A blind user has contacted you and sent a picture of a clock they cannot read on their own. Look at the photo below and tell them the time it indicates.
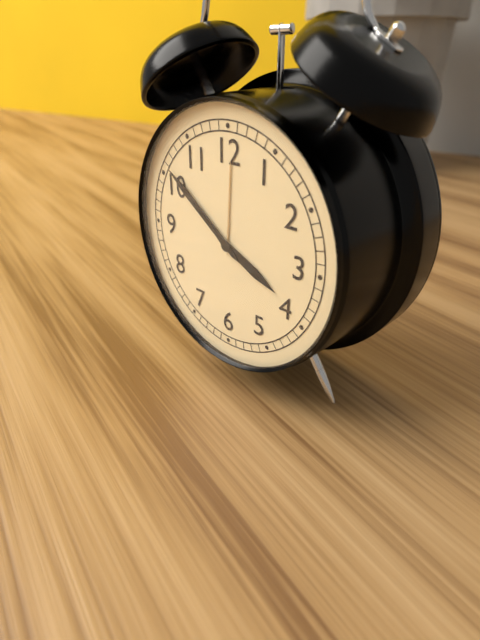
3:51
